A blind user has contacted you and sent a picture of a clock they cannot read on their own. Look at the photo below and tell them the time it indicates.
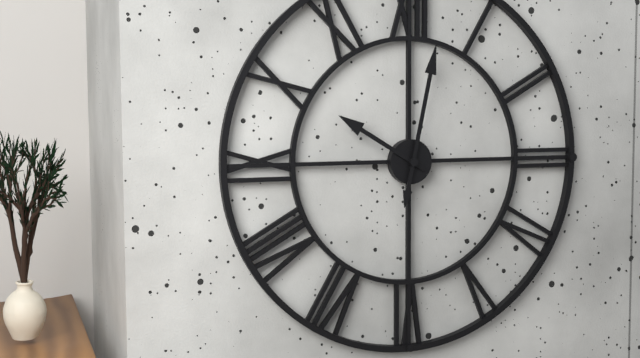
10:02
